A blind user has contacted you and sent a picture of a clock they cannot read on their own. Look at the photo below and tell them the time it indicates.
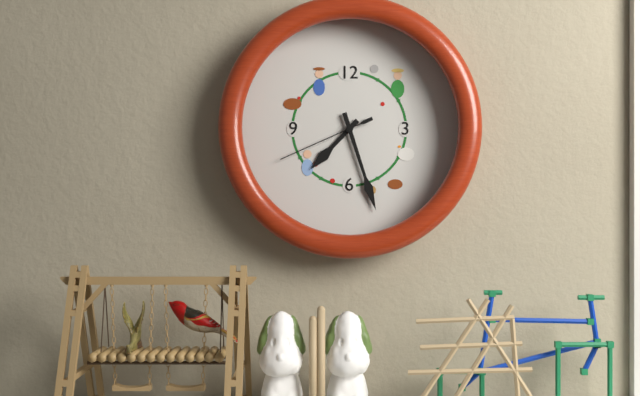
7:27:41
